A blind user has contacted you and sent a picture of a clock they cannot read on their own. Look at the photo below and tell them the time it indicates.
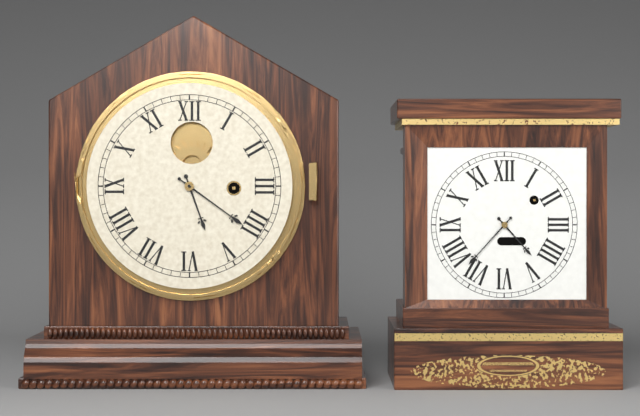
5:21
